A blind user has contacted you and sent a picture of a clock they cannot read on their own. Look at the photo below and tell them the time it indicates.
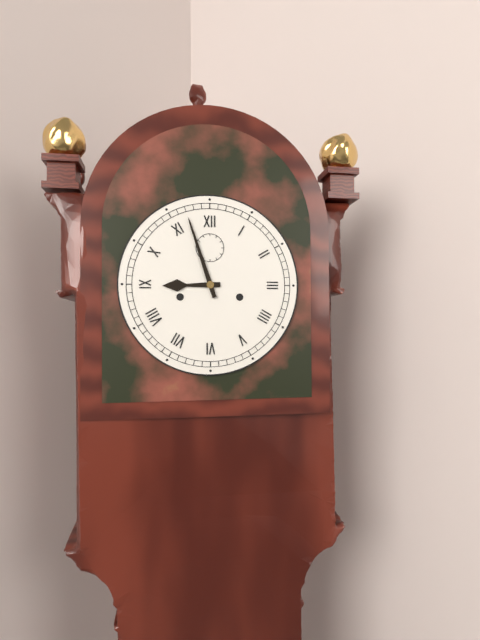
8:57
